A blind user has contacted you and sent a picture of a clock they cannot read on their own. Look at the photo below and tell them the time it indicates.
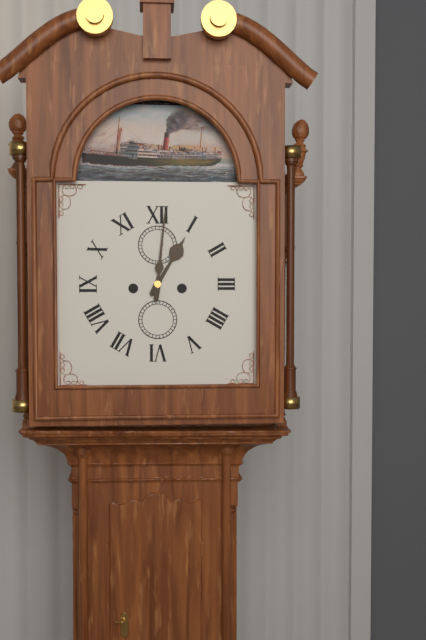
1:01
